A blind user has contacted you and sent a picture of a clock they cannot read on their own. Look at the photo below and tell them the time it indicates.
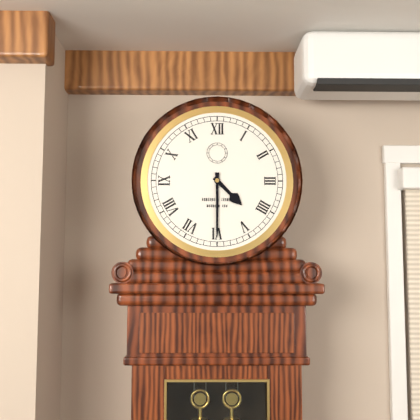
4:30
